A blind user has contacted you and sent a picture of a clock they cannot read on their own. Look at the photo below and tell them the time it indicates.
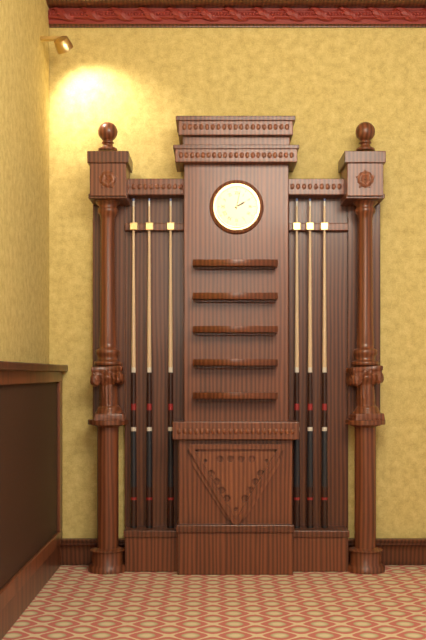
2:02
